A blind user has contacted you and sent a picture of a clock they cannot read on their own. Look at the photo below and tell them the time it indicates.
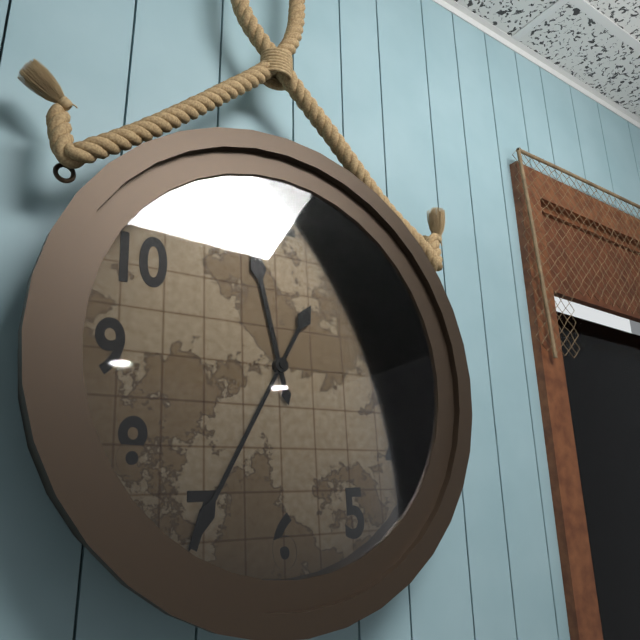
11:35
